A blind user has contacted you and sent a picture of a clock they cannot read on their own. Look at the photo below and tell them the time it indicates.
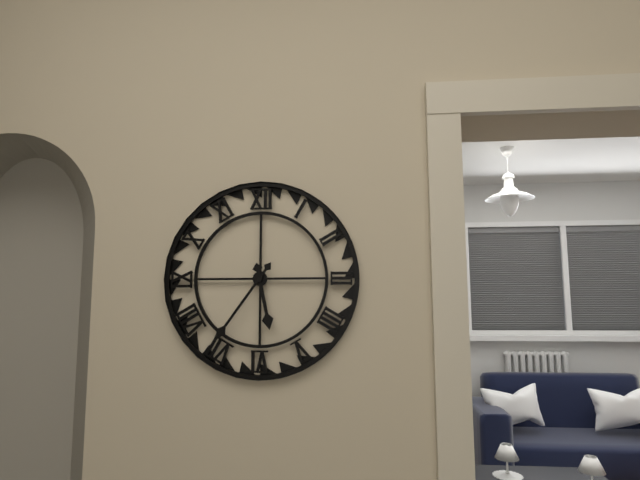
5:36
